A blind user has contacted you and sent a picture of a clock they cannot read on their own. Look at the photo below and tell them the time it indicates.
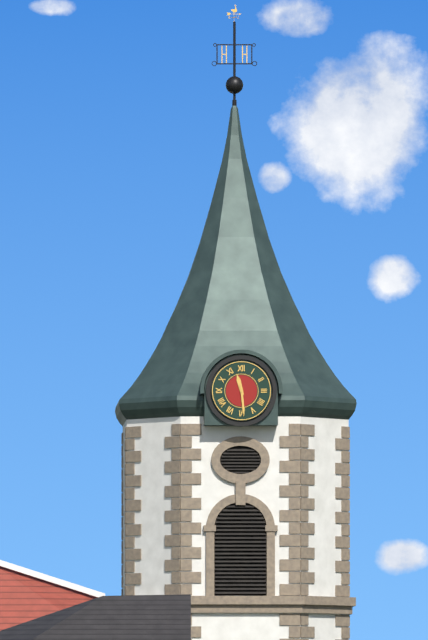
11:29
